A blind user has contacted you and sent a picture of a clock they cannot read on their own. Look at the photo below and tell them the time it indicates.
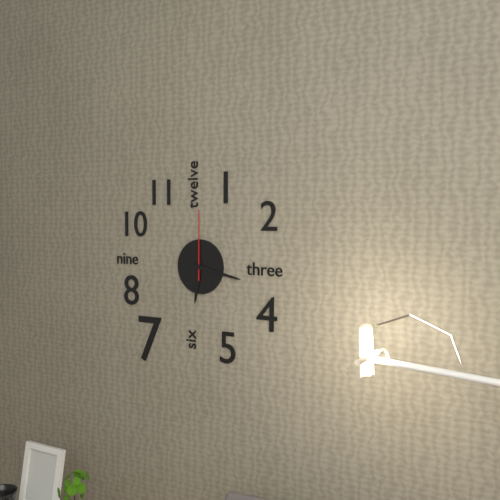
6:17:00
